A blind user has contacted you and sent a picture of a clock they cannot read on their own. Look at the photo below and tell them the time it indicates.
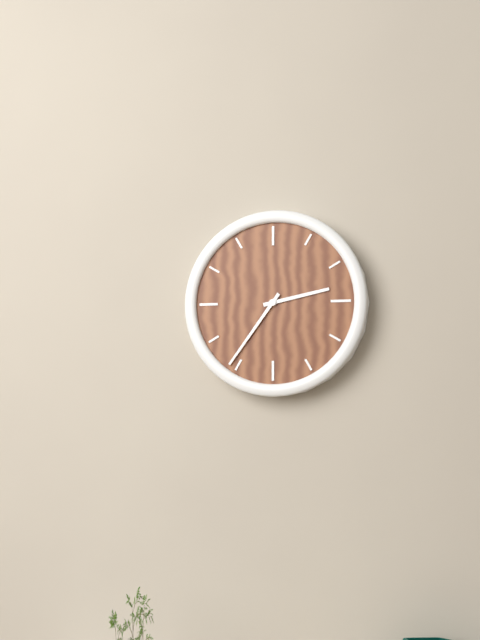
2:36
